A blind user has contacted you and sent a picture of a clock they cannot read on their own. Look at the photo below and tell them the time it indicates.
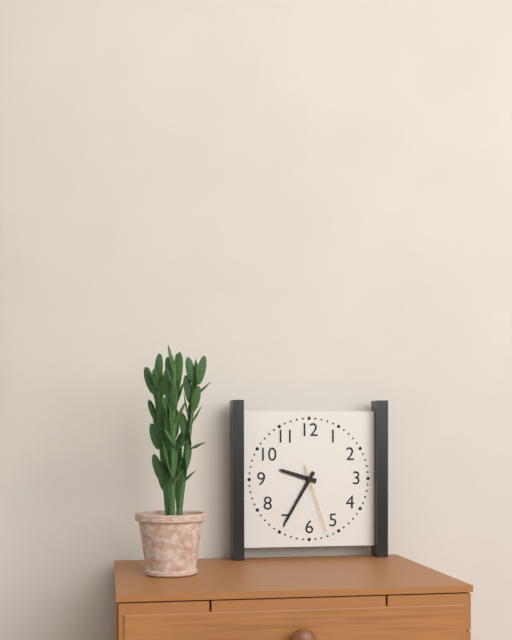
9:35:27
